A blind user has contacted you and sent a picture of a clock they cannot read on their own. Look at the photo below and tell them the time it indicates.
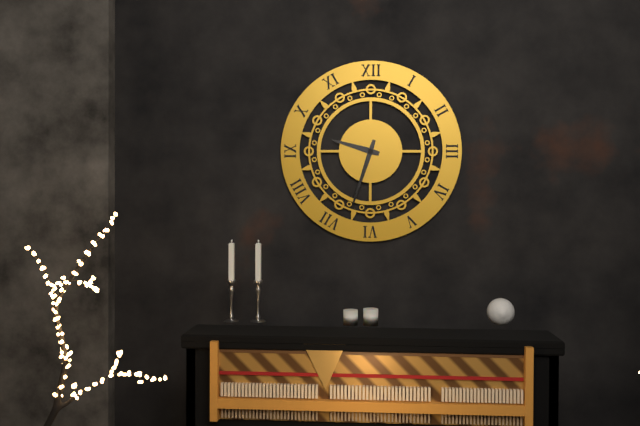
9:33
